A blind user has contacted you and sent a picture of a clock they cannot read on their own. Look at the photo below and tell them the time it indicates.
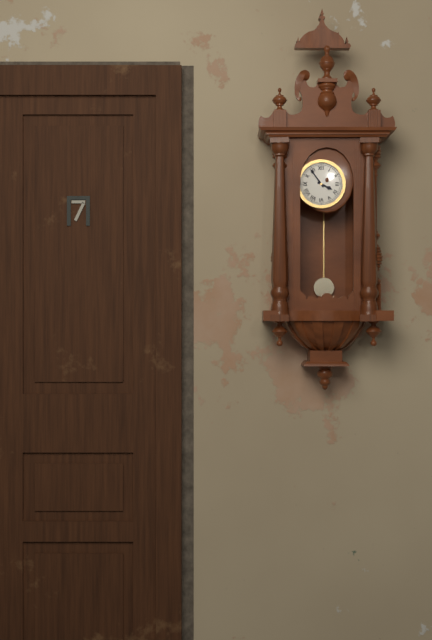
3:54
